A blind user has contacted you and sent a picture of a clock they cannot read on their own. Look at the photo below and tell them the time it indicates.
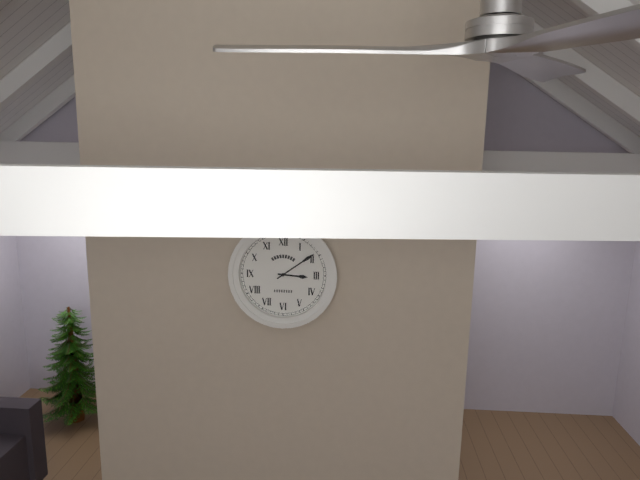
3:09
